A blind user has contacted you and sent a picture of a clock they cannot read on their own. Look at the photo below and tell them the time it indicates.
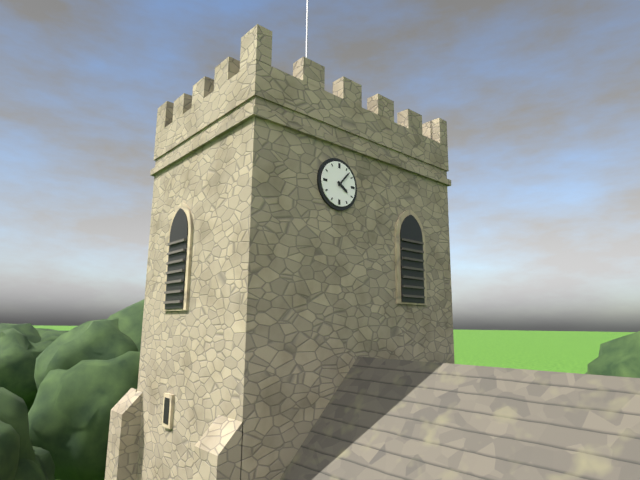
4:07
